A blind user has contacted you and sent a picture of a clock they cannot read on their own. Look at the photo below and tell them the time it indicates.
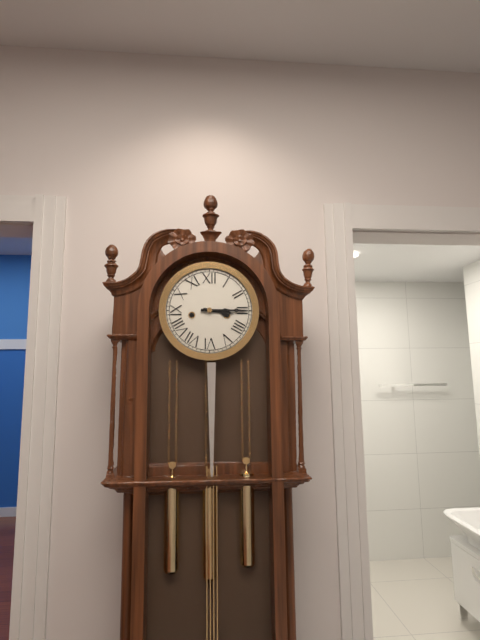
3:15
